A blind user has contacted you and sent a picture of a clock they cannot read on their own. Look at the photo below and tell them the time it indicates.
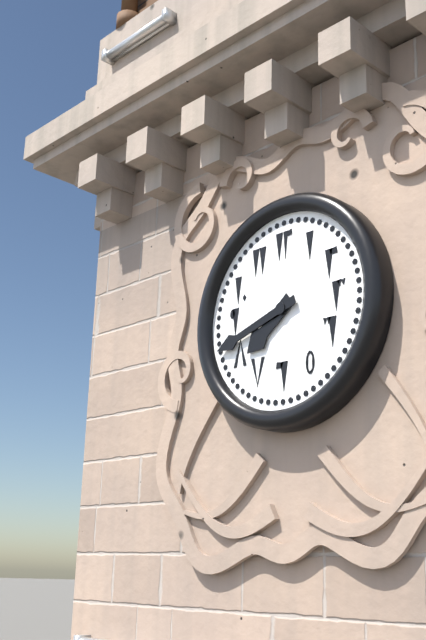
7:42
